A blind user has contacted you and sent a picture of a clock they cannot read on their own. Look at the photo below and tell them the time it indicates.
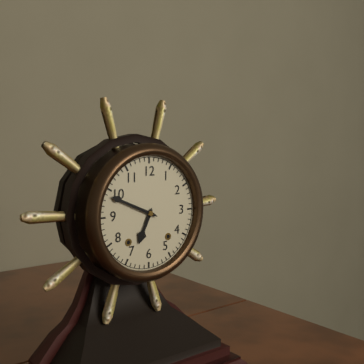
6:49
